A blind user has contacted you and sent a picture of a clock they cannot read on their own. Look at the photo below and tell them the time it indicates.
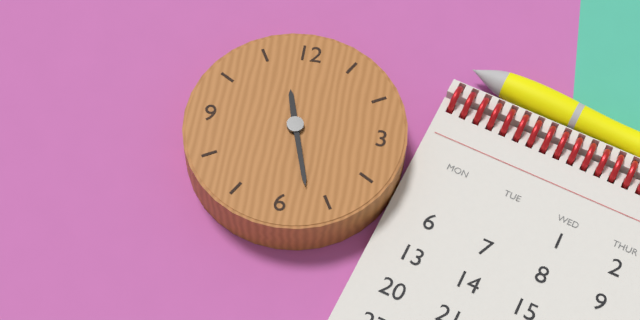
11:27
